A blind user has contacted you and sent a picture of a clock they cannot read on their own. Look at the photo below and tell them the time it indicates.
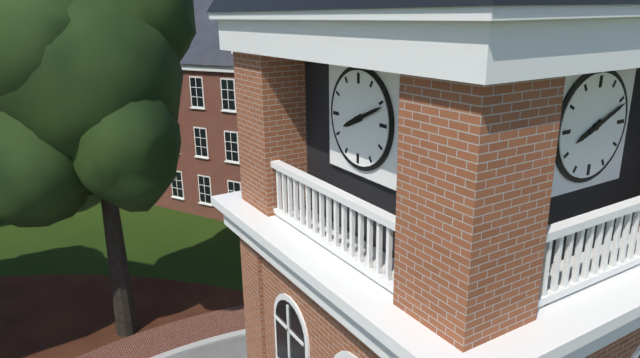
8:11
